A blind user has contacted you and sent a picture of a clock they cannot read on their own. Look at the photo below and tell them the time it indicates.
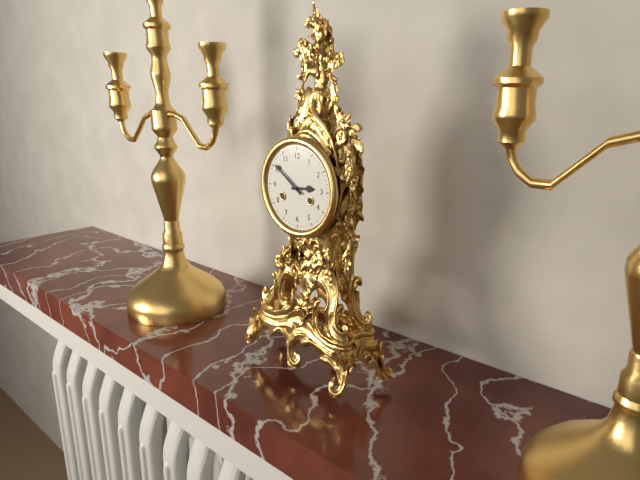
2:51
